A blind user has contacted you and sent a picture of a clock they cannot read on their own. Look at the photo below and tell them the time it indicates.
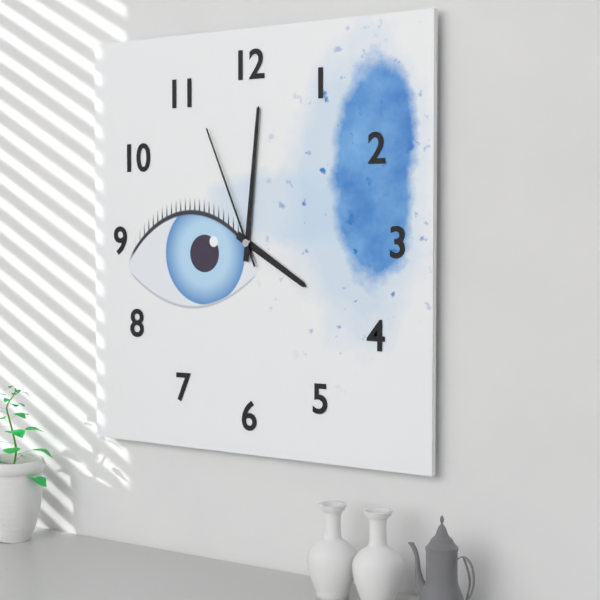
4:01:56
